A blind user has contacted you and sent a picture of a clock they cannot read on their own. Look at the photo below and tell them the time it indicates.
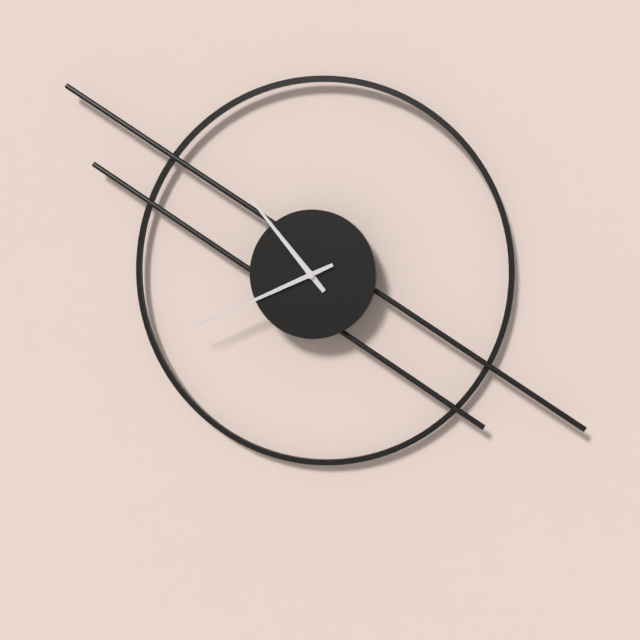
10:41
